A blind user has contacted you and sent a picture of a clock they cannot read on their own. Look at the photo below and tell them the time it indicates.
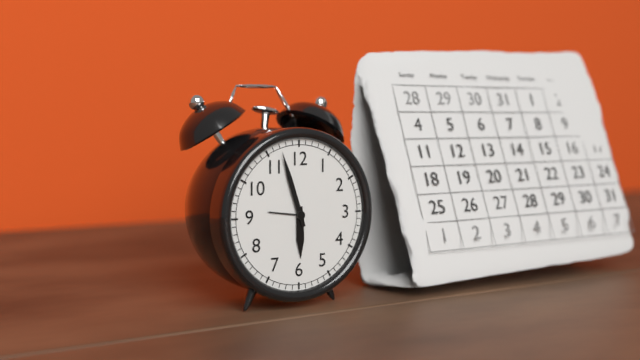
5:57
